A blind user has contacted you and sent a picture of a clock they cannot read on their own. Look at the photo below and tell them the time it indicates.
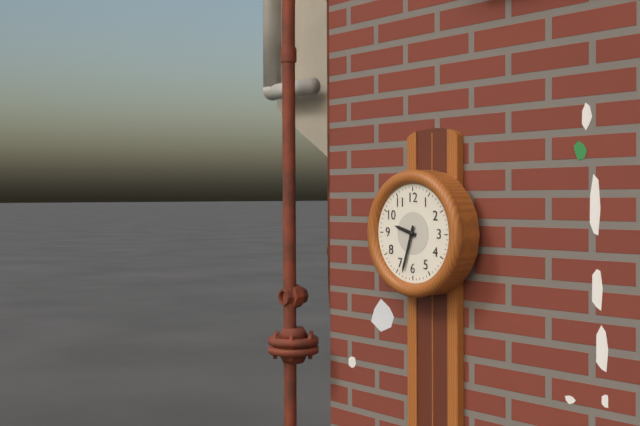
9:33
